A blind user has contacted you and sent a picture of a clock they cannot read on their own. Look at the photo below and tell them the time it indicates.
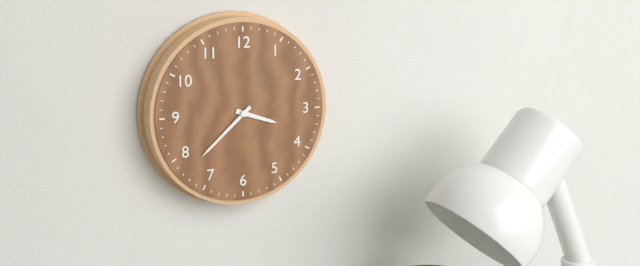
3:38
